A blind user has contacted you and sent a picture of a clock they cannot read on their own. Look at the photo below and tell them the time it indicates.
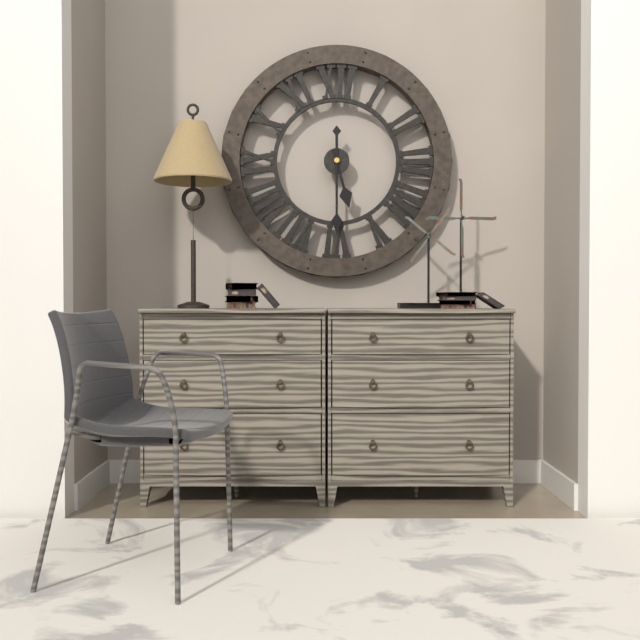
5:30
